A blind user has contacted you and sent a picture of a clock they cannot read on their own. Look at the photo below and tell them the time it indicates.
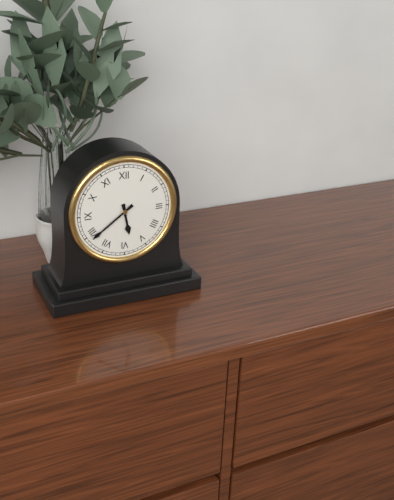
5:39
